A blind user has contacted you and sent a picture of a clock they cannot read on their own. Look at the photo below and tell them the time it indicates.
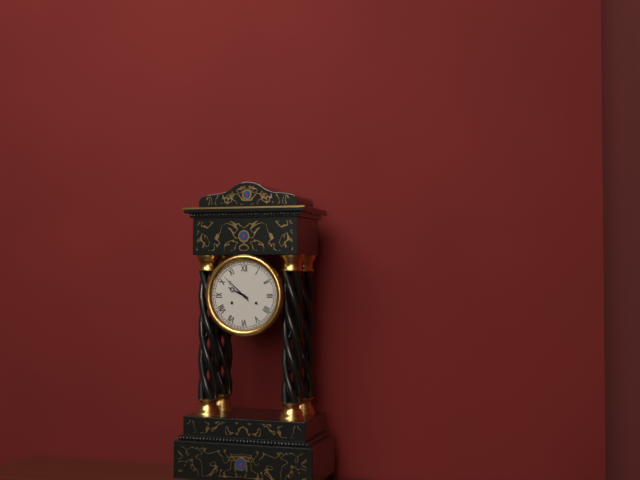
9:52
